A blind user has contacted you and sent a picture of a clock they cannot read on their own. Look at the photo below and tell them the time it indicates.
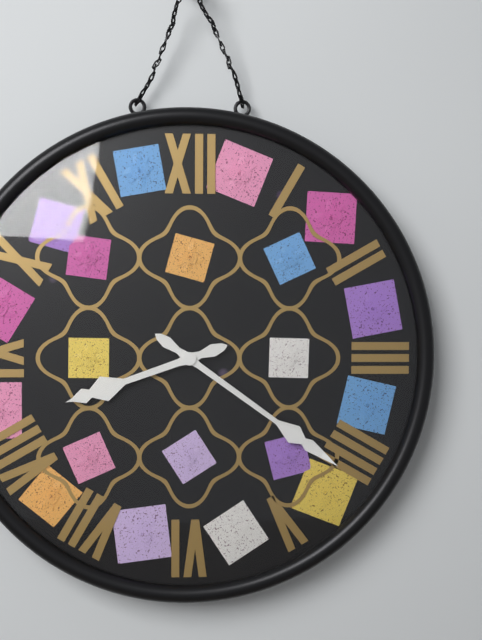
8:21
